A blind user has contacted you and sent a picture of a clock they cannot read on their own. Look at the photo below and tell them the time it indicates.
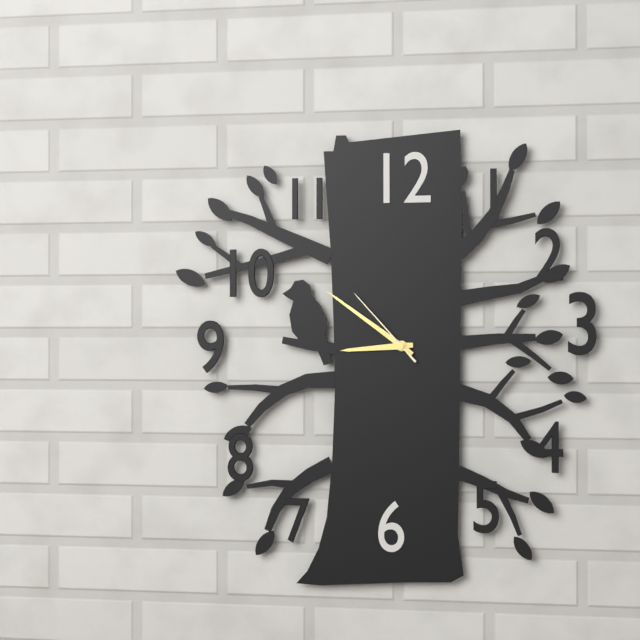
8:51:53
